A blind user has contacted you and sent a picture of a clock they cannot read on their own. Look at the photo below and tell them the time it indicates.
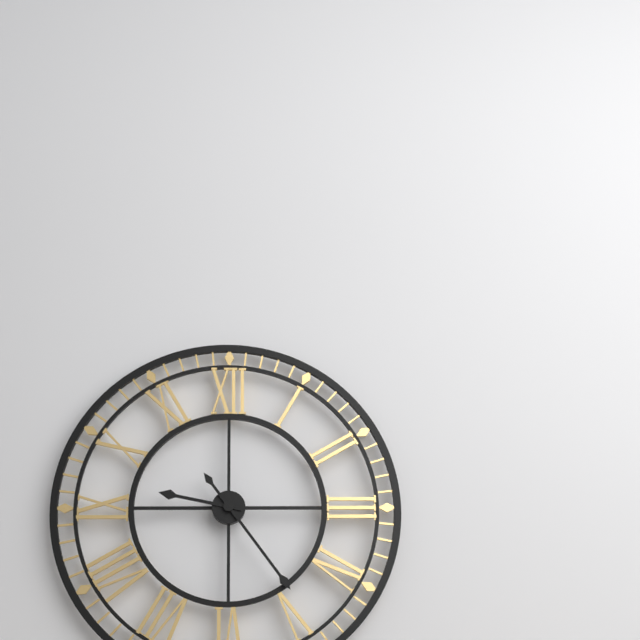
9:24
